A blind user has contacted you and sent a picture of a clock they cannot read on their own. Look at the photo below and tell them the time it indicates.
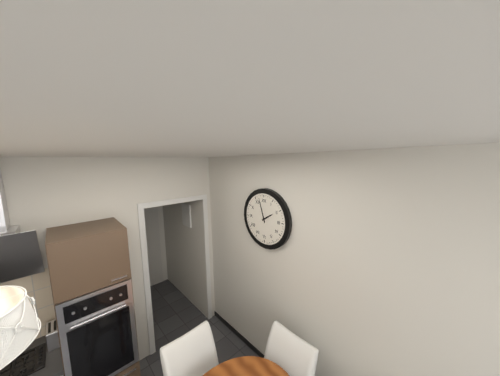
1:57
